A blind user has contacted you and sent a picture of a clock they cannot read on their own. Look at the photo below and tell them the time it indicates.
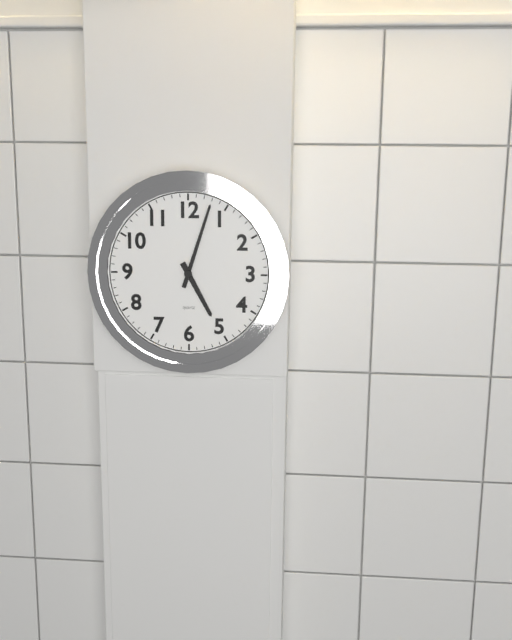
5:03
